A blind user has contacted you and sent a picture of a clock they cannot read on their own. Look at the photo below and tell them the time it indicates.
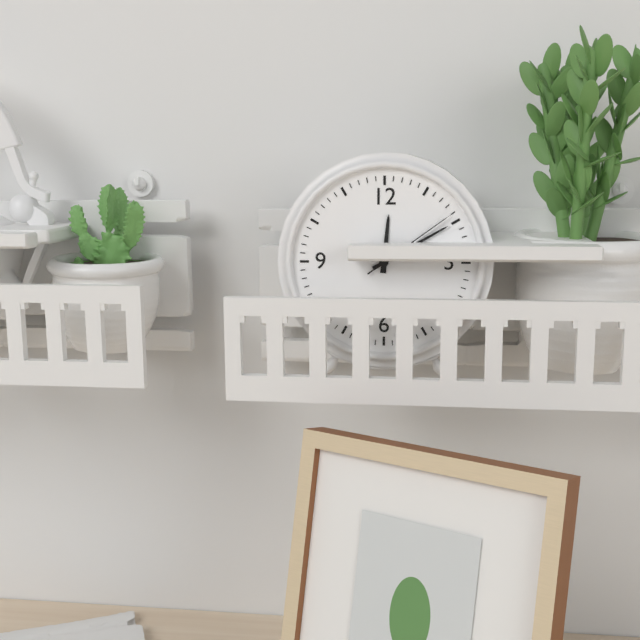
12:10:09
